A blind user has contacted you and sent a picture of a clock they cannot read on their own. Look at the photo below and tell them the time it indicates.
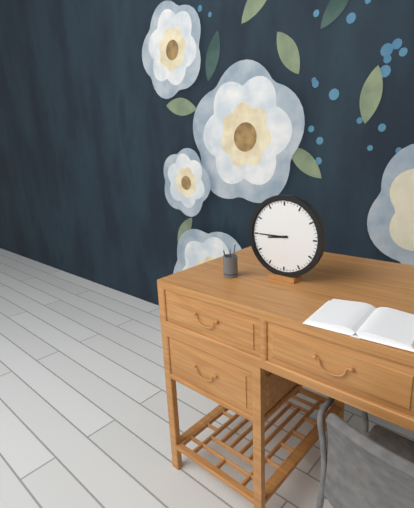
8:45
